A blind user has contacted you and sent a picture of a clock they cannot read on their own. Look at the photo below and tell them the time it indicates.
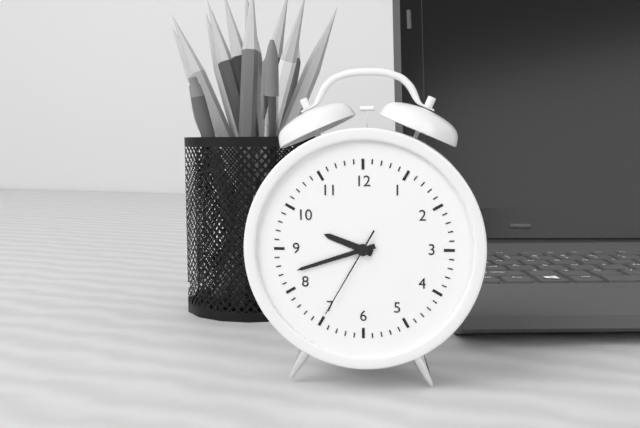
9:42:35
